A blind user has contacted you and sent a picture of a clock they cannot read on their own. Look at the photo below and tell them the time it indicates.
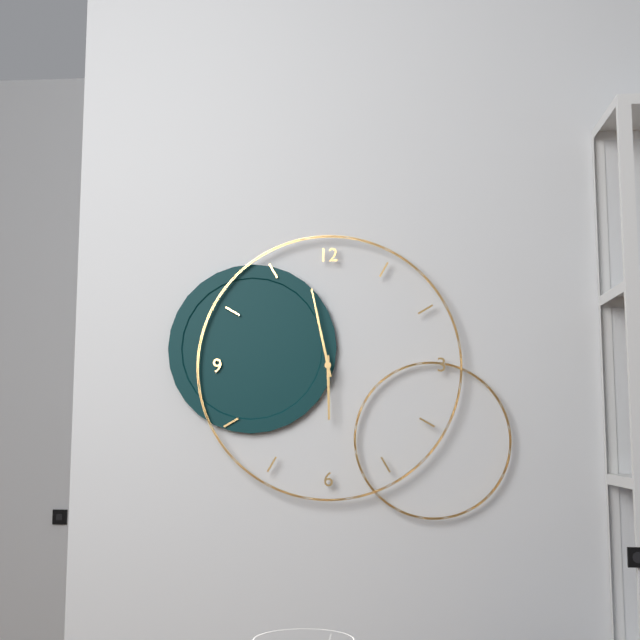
5:58
